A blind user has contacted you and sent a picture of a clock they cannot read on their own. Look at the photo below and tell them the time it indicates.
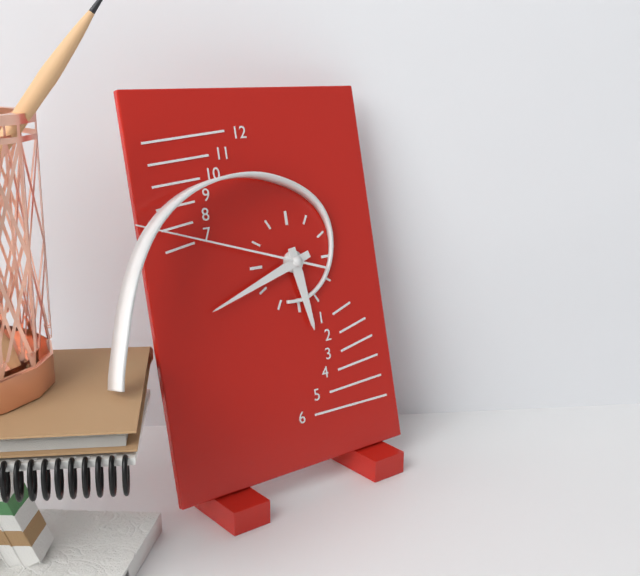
5:42:48
